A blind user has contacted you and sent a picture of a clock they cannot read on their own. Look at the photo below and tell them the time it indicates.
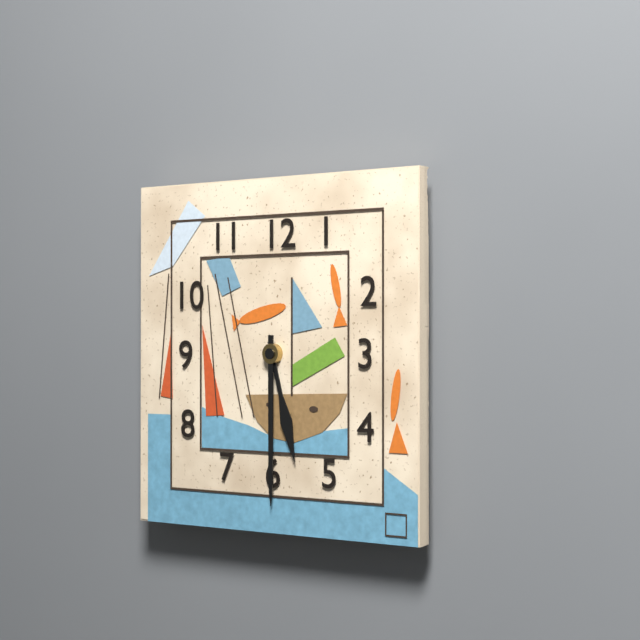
5:30
